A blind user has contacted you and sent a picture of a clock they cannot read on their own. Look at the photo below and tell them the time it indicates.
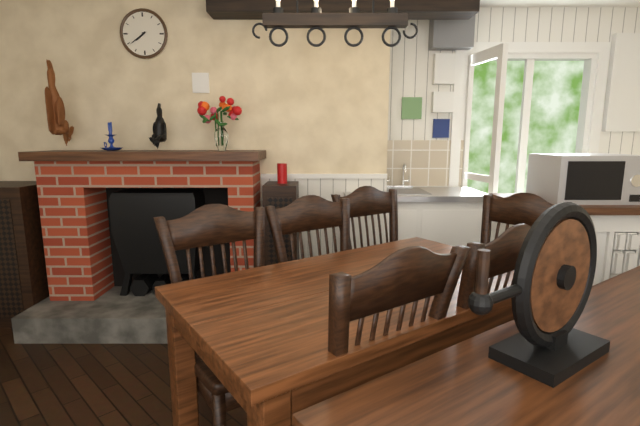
7:39
